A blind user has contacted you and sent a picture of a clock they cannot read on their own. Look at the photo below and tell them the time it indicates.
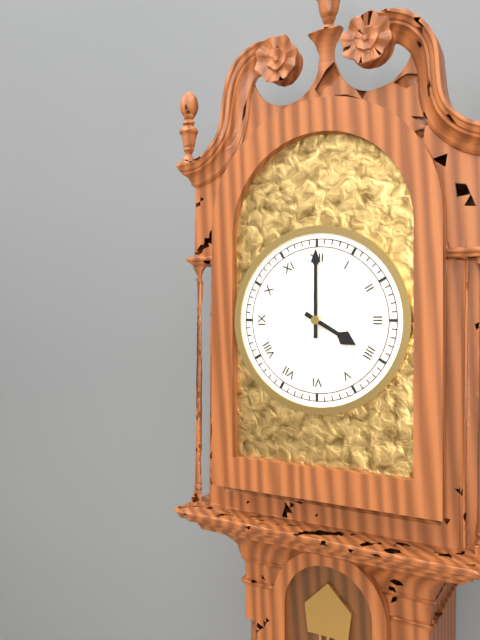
4:00
